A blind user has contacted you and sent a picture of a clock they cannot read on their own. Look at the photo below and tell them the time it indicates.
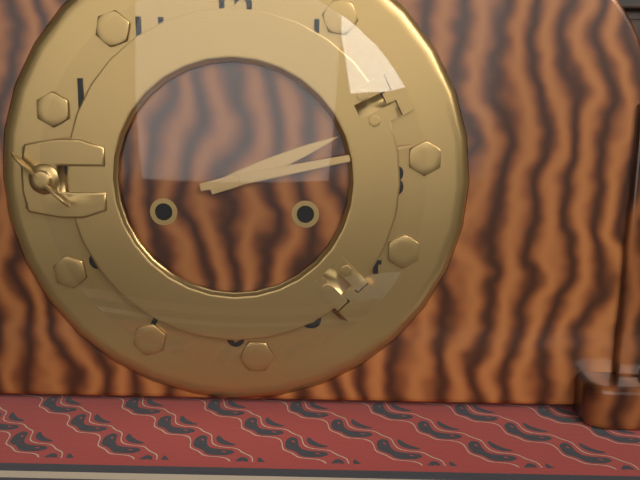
2:13
